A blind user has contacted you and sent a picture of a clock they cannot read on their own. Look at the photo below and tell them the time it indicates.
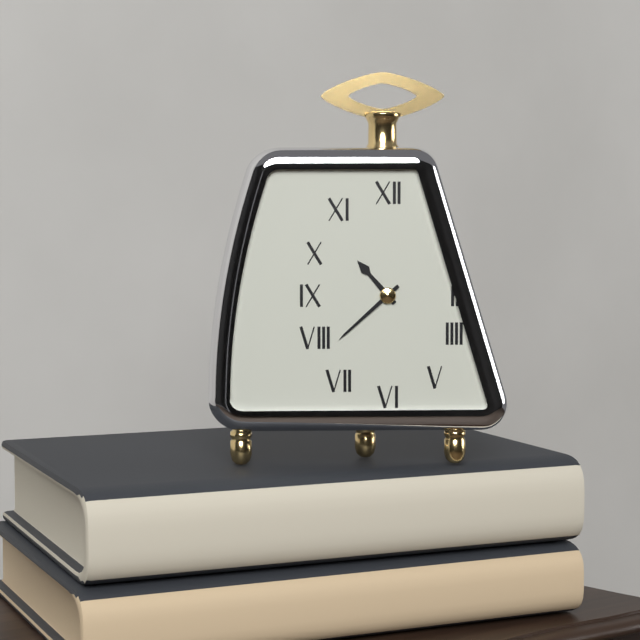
10:38
